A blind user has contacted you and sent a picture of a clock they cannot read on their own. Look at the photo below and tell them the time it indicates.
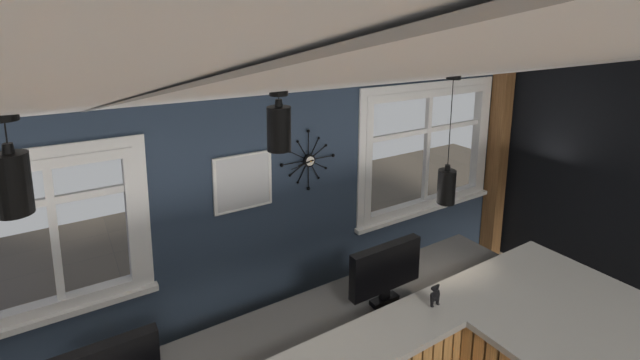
8:43
